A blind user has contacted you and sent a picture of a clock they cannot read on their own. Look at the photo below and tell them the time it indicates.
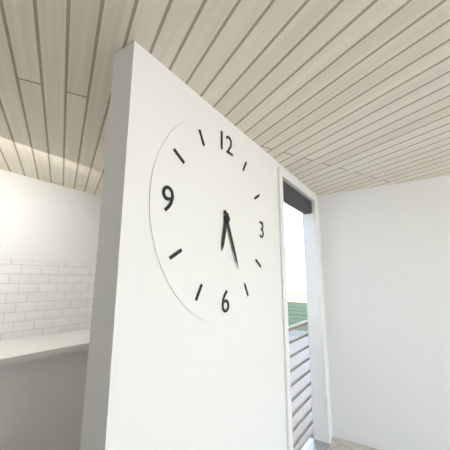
6:26
